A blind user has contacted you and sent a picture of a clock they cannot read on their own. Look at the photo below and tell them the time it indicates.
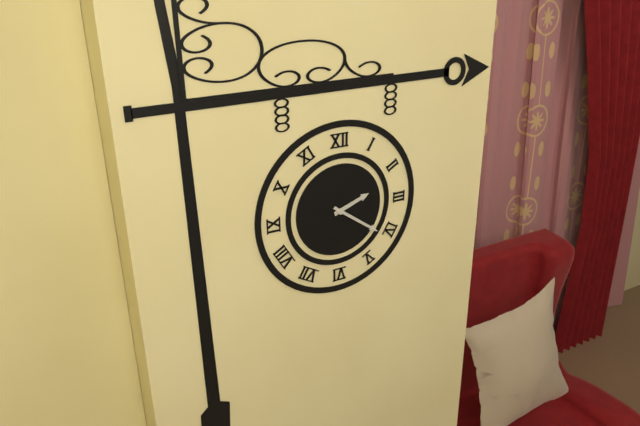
2:21
